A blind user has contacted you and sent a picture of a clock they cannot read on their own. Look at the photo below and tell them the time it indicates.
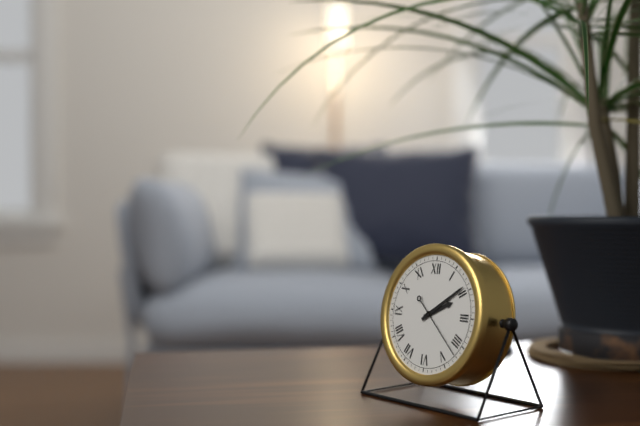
2:09:22
